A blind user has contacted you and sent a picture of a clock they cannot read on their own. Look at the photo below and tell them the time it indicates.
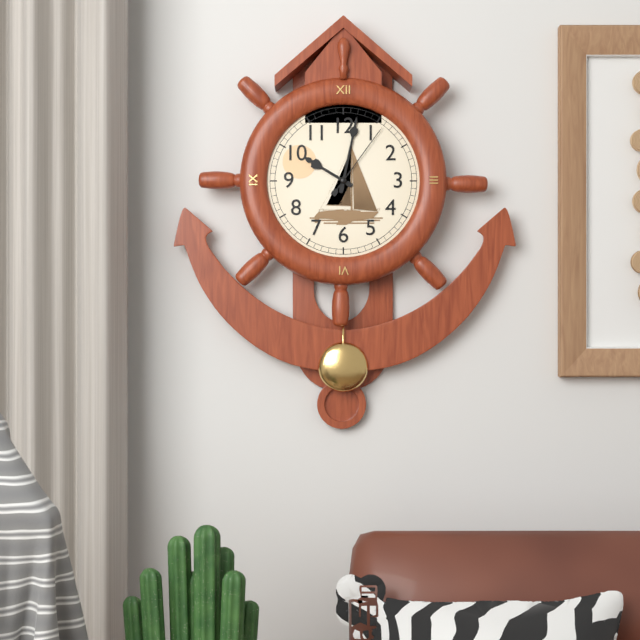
10:02:06
